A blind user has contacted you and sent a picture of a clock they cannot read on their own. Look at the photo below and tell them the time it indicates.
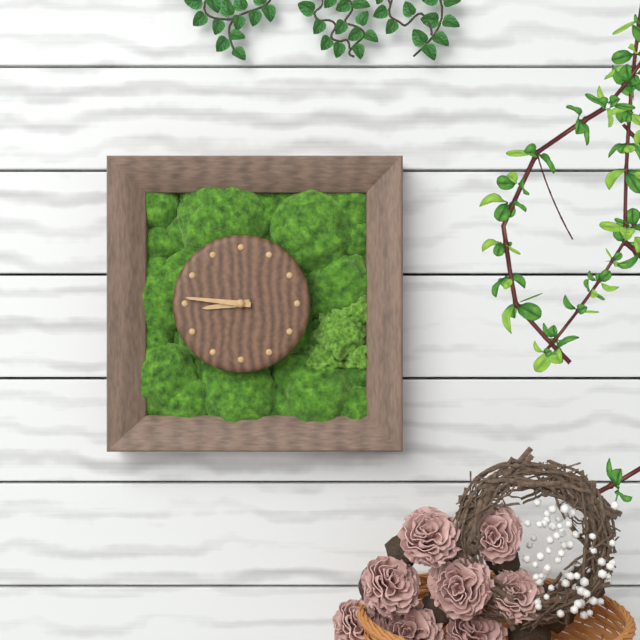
8:46
